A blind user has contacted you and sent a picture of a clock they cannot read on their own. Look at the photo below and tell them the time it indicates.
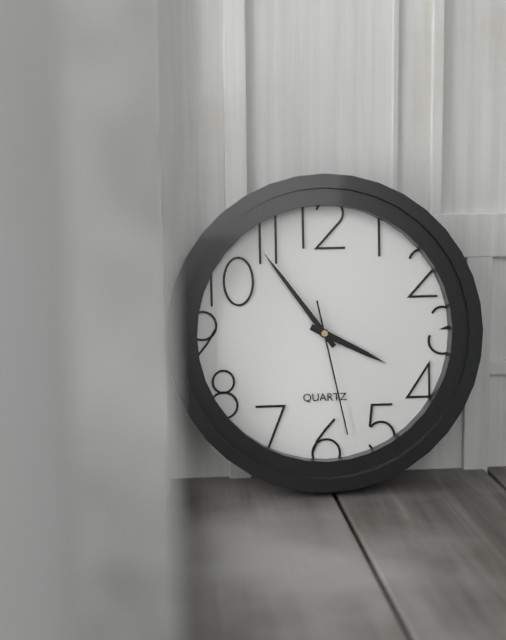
3:54:28
